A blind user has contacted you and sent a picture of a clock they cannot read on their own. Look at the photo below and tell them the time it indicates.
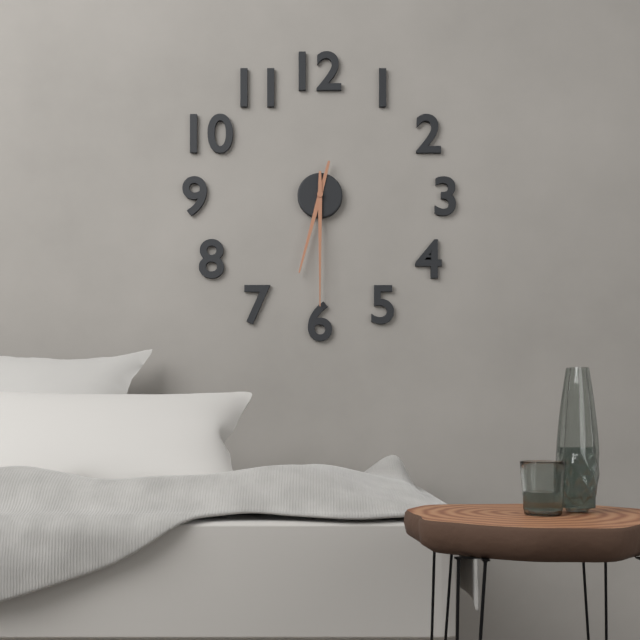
6:30
